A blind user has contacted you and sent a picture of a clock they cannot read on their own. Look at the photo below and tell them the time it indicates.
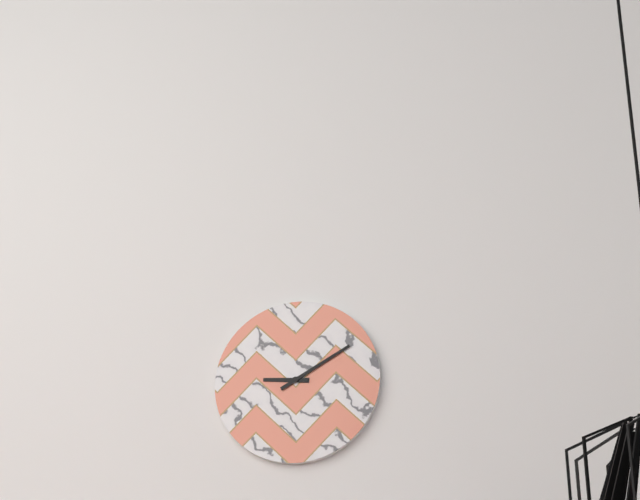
9:10
